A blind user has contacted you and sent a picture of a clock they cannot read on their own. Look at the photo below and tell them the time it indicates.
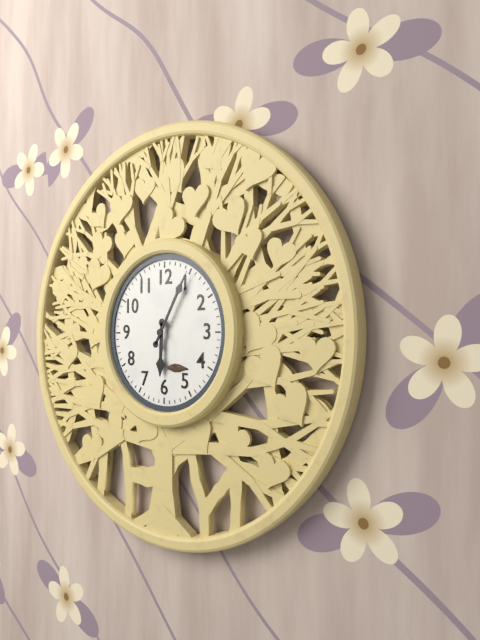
6:05
